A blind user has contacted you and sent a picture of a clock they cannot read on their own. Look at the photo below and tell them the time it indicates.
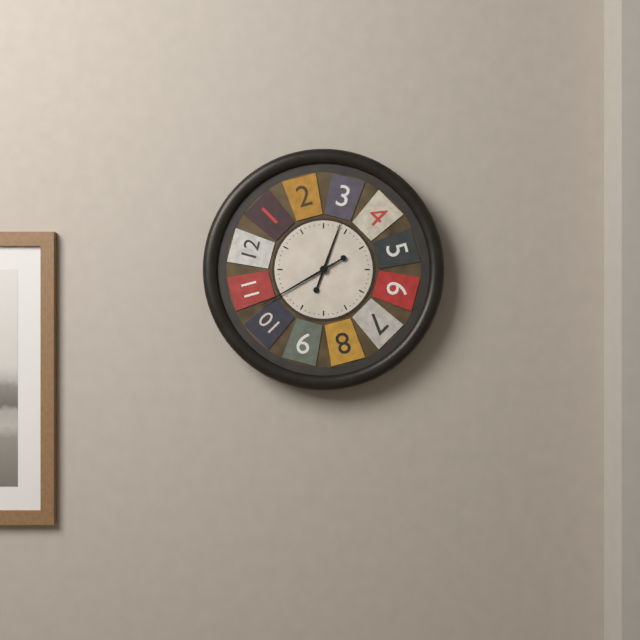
12:40
